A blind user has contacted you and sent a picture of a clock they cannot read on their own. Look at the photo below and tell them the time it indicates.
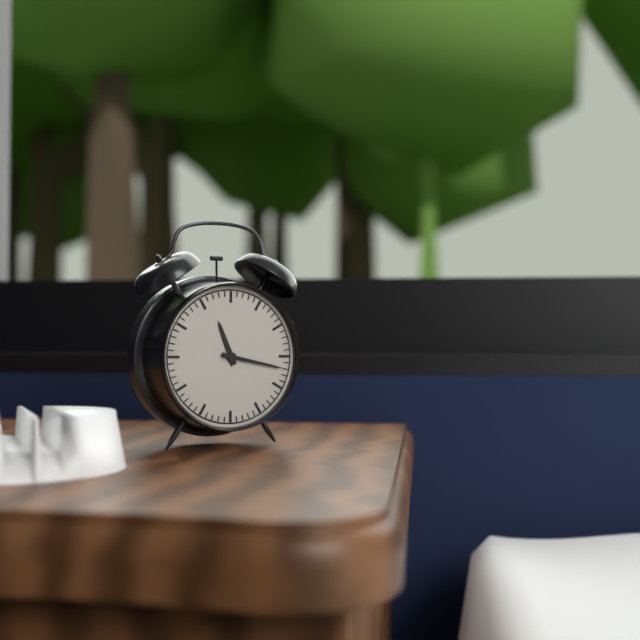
11:17
